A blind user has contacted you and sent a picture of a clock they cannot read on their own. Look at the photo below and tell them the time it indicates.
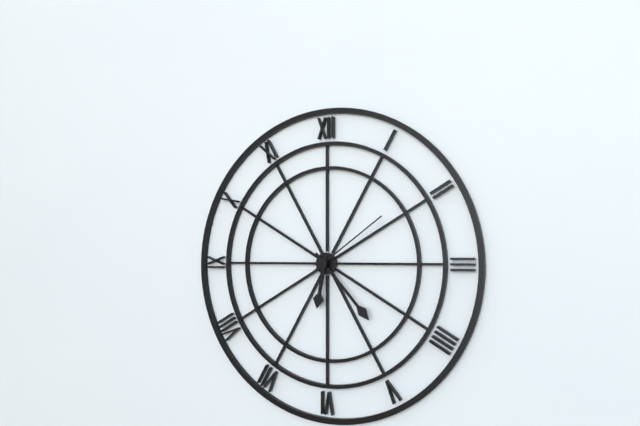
6:23:09
